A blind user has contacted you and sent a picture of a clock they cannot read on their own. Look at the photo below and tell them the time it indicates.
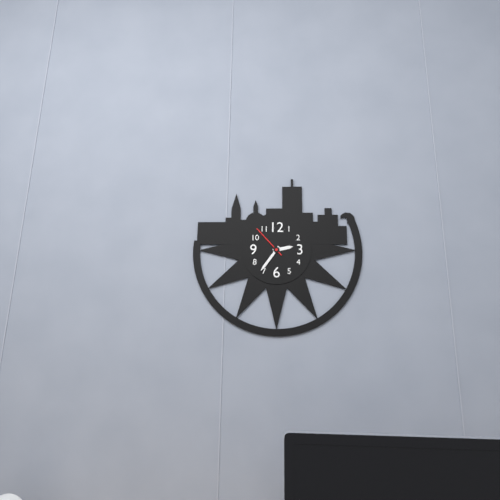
2:36
